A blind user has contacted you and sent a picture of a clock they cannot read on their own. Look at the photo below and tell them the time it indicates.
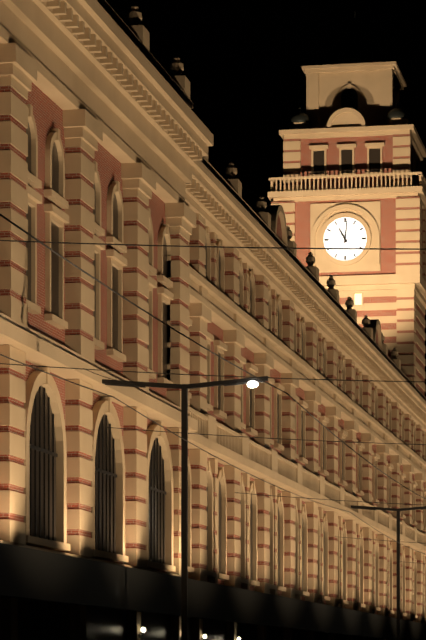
11:01
